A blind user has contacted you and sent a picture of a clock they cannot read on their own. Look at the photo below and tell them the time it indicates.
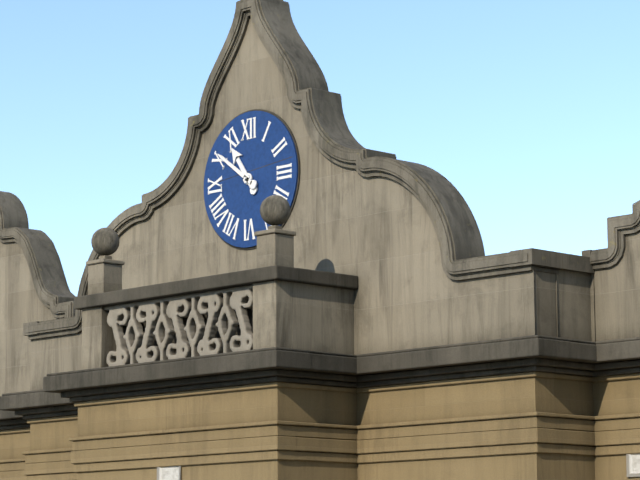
10:51
